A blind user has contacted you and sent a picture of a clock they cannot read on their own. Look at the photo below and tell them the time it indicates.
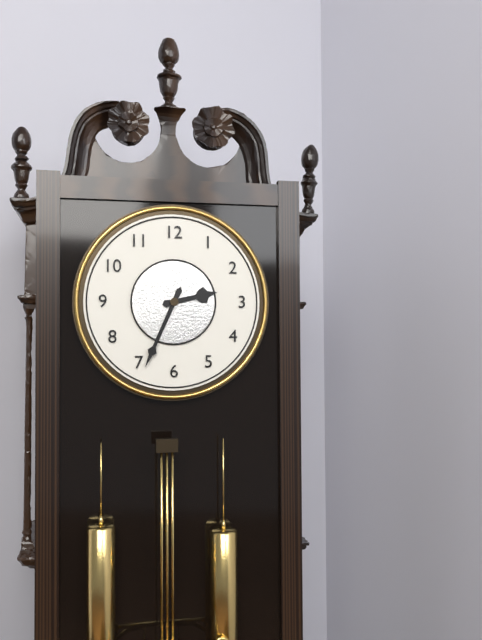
2:34
